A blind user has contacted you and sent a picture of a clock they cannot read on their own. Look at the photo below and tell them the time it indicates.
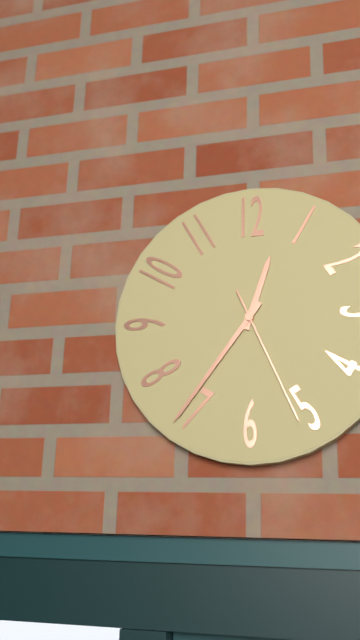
12:36:26
